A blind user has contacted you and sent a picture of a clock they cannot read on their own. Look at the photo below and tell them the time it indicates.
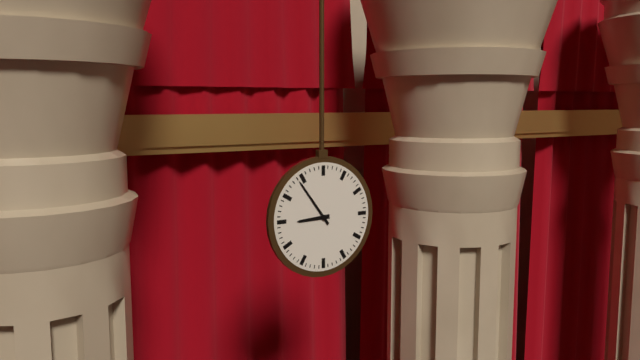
8:54
